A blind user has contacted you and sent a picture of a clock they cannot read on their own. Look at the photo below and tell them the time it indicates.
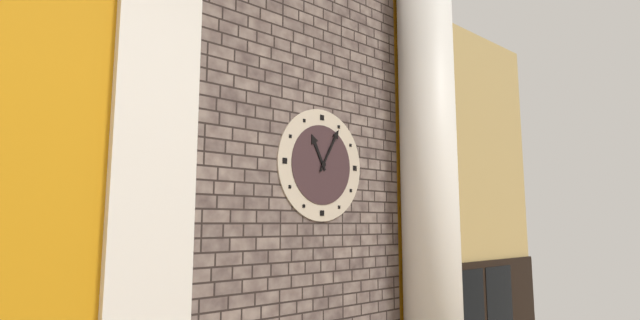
11:05
